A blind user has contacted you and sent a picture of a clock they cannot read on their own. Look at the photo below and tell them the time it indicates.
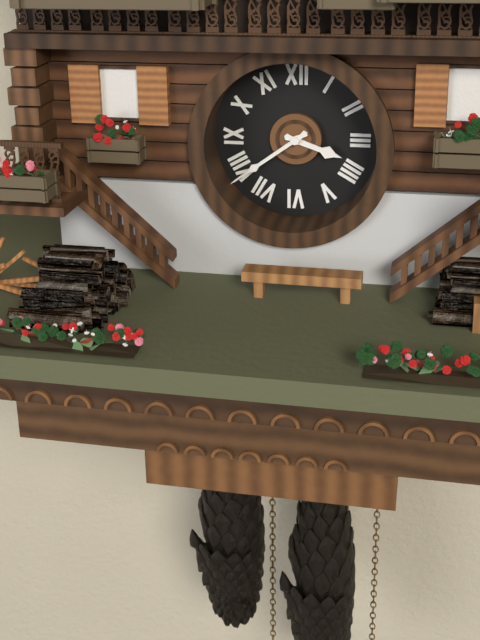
3:39
